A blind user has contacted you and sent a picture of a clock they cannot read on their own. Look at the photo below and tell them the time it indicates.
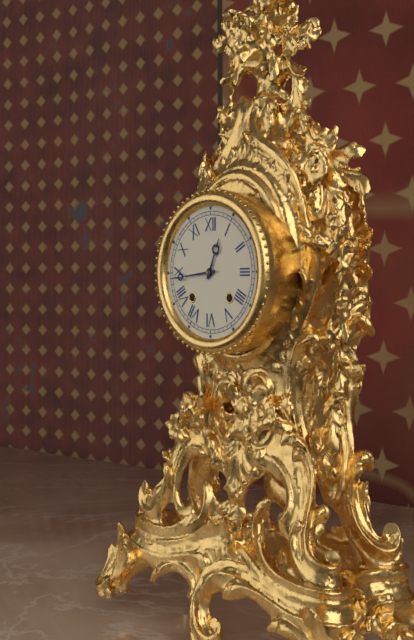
12:44
